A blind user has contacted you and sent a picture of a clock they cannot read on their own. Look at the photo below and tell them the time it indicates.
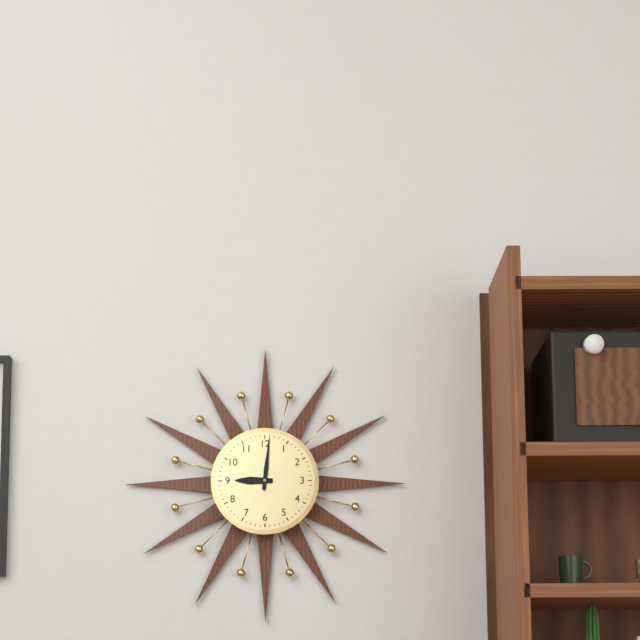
9:01
